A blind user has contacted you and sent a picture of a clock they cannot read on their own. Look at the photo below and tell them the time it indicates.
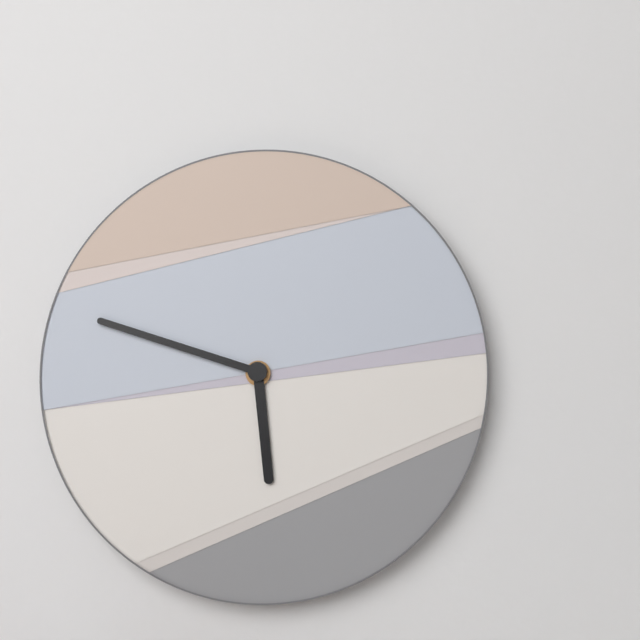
5:48
